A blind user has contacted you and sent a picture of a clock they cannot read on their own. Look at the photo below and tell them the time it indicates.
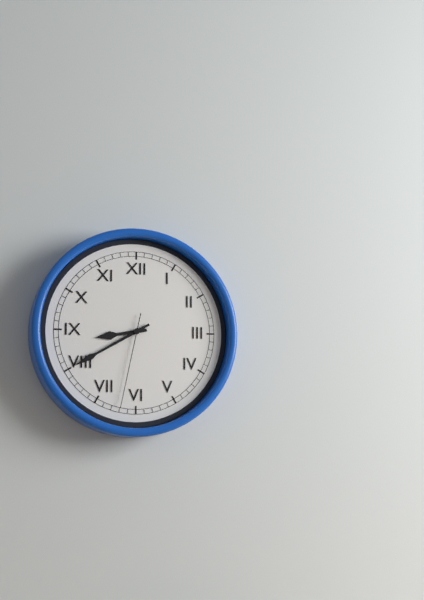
8:40:32
